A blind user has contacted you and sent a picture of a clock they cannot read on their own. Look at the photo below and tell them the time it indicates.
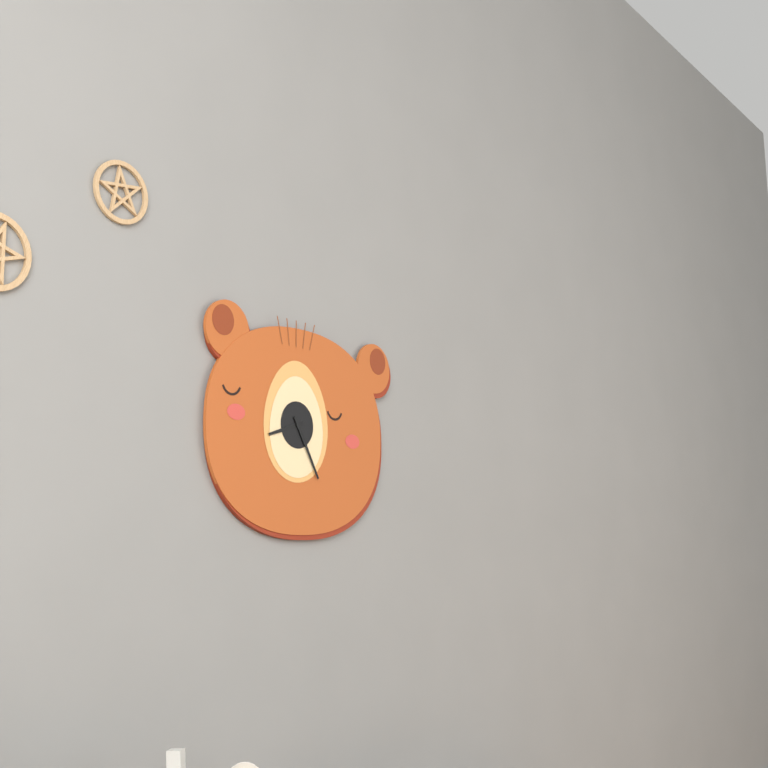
8:25
